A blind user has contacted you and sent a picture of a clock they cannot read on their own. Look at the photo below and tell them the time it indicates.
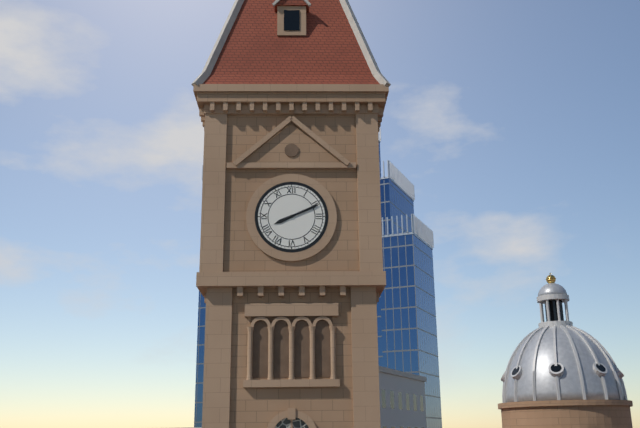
8:11
